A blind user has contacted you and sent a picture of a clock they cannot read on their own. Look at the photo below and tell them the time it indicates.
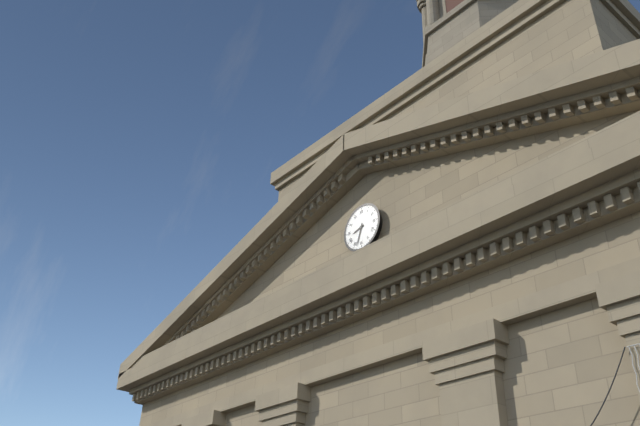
8:33
